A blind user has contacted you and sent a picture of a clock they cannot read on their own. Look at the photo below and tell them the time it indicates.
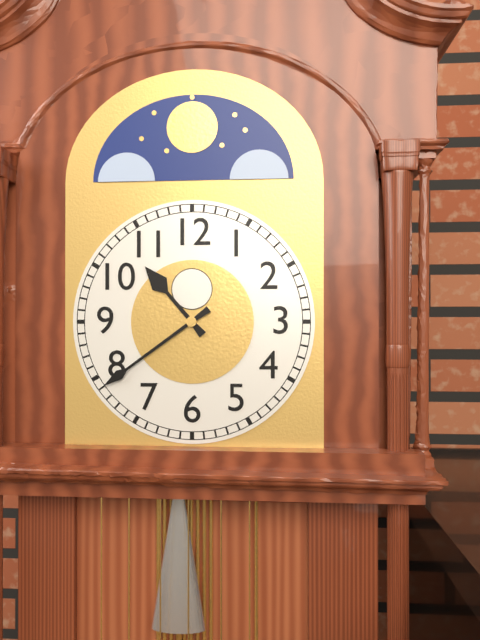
10:39
